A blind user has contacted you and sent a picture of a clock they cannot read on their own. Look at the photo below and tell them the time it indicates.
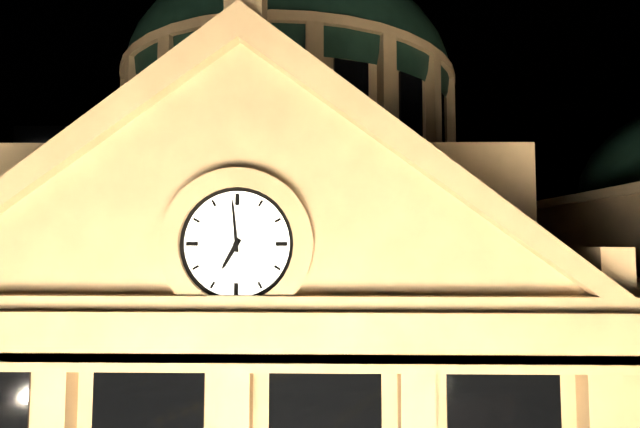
6:59
